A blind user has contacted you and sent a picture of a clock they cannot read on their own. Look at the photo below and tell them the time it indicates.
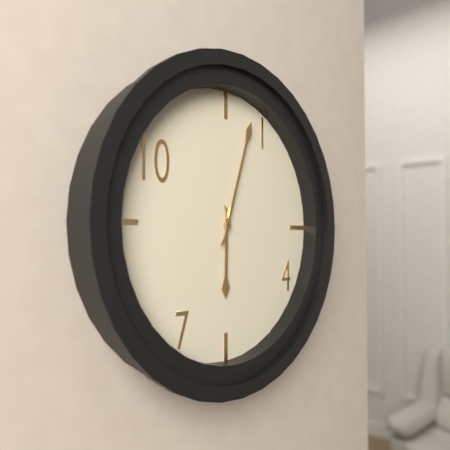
6:03
